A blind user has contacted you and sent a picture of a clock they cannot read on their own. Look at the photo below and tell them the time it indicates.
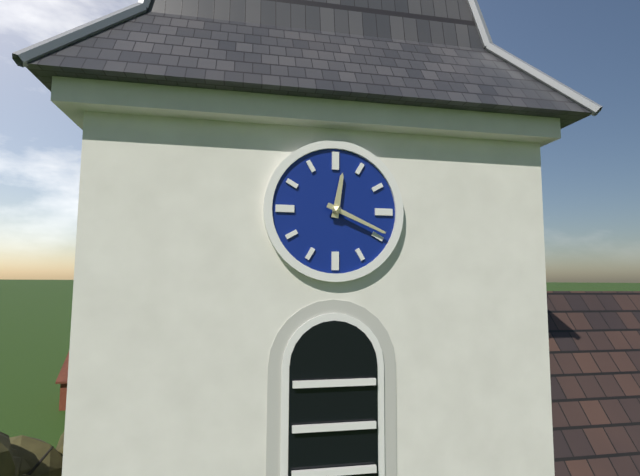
12:19
